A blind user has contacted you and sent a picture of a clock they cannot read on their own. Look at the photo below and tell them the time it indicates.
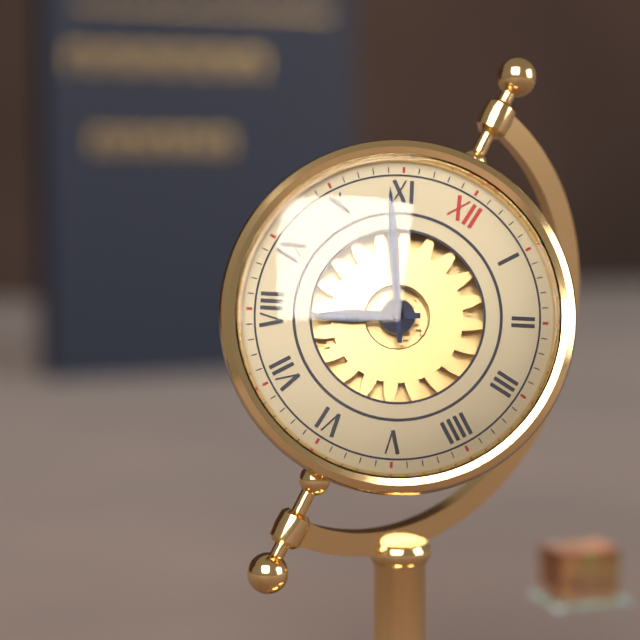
7:54
